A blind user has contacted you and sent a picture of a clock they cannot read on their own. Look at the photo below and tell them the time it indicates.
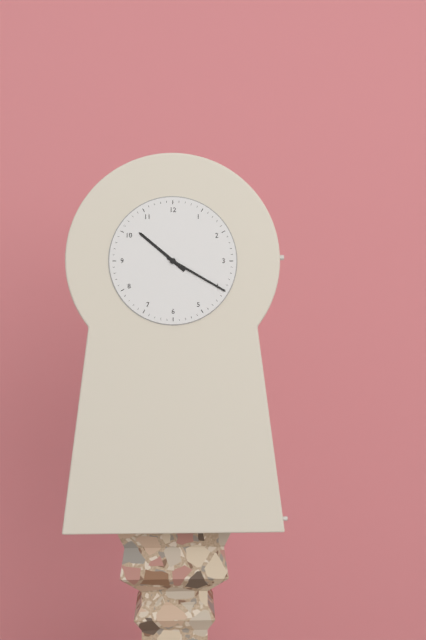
10:20
